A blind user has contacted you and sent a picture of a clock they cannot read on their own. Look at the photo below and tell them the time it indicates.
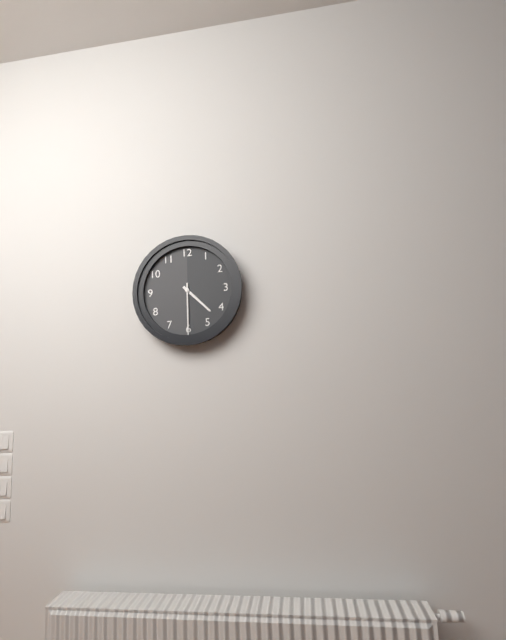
4:30
